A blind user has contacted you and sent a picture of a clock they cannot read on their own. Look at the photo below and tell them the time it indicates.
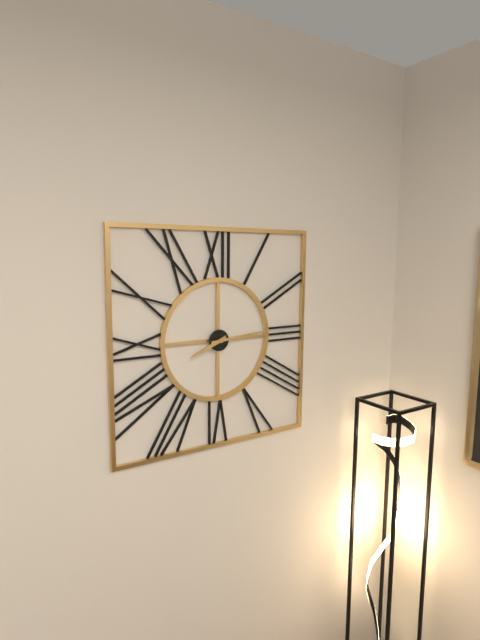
8:14
